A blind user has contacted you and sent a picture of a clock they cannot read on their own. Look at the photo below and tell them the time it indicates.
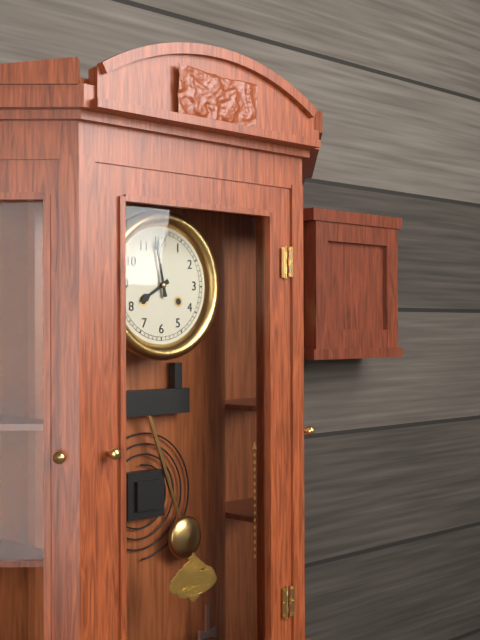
7:58
